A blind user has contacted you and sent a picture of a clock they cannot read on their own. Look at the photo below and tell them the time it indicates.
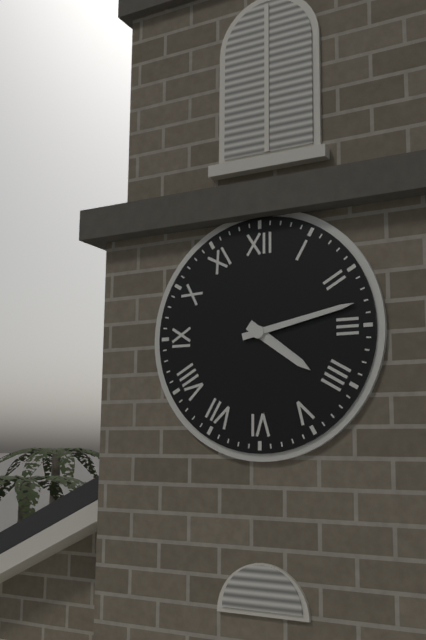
4:13
